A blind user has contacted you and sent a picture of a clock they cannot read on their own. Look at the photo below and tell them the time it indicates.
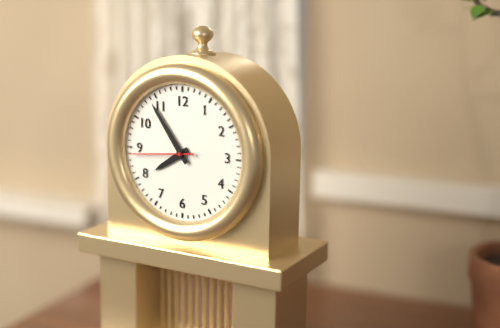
7:54:44
